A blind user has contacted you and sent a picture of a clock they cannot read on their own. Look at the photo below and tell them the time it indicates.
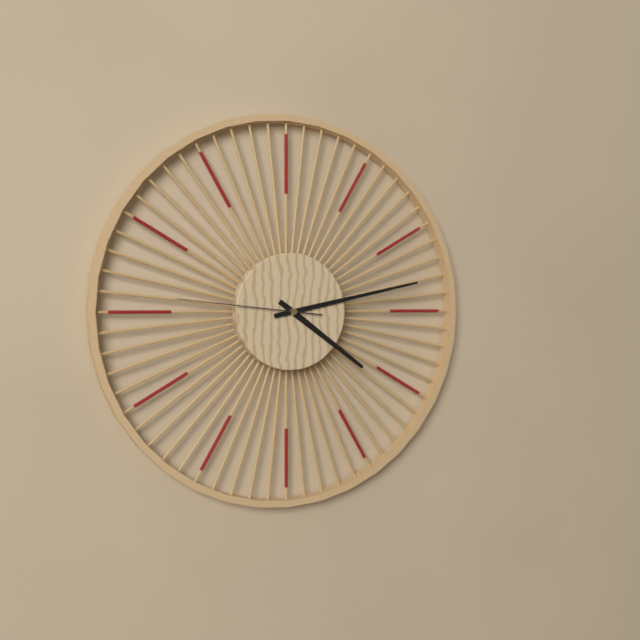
4:13:46
